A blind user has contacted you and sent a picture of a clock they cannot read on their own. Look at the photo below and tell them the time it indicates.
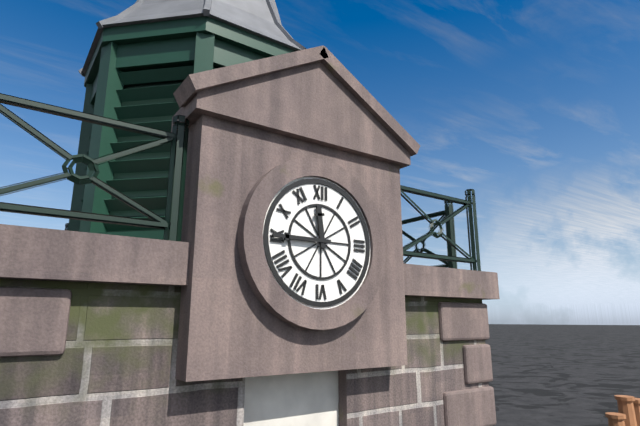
11:45
